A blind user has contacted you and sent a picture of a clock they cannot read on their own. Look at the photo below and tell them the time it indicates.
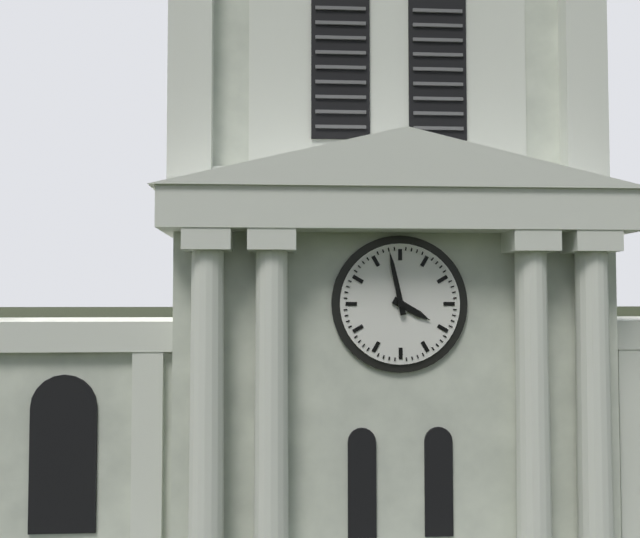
3:58
